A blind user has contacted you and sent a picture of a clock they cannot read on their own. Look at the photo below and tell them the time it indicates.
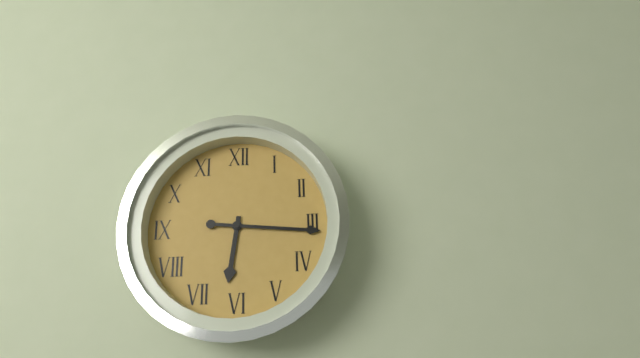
6:16
